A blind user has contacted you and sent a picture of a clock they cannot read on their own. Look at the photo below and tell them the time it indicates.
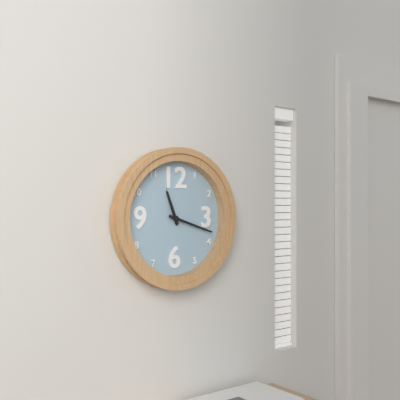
11:18
